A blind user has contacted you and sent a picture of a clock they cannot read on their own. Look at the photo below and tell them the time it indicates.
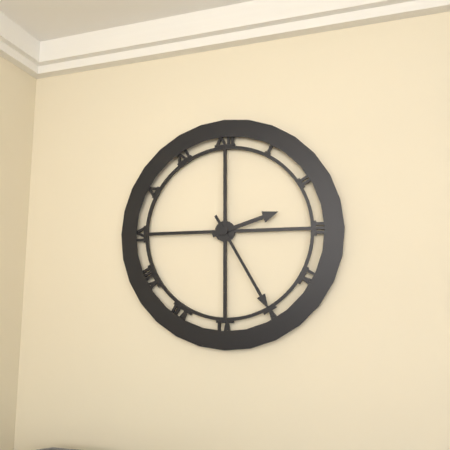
2:25
